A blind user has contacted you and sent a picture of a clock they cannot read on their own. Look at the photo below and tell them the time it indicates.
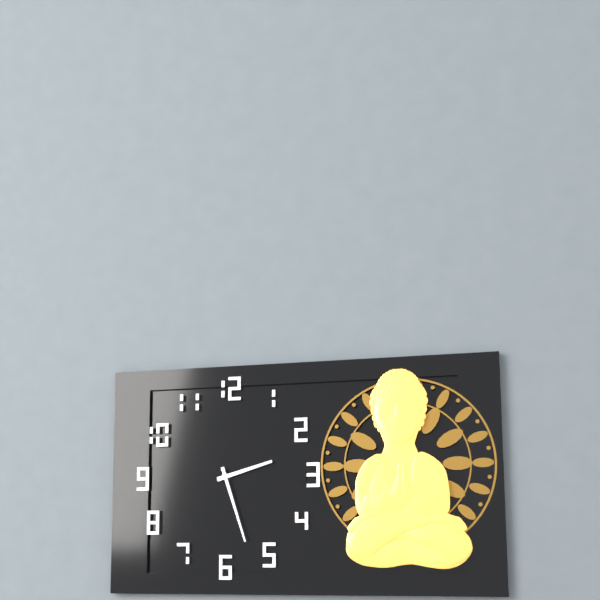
2:27
